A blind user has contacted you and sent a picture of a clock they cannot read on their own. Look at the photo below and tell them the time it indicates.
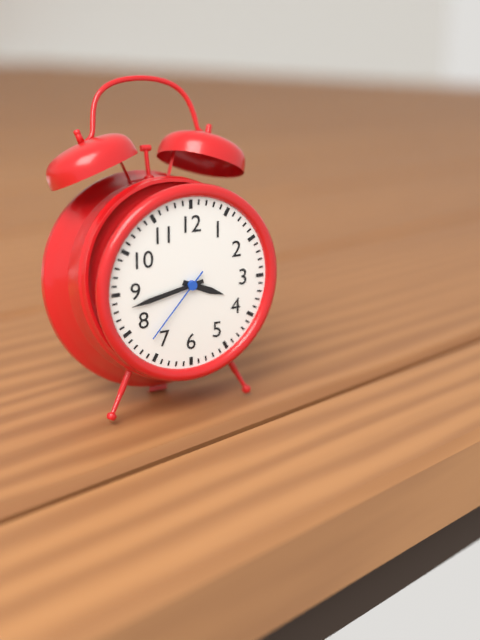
3:43:37
